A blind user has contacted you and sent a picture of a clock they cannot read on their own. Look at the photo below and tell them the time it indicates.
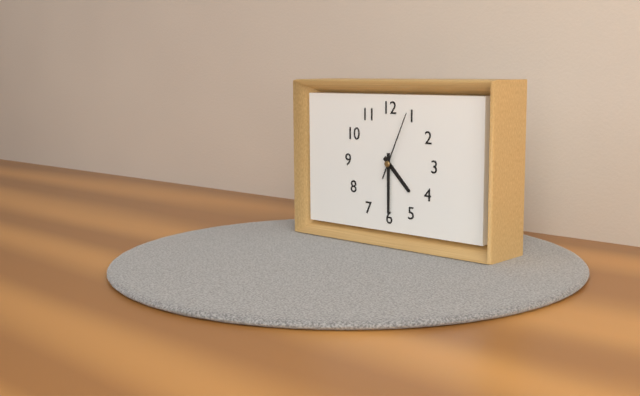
4:30:04
